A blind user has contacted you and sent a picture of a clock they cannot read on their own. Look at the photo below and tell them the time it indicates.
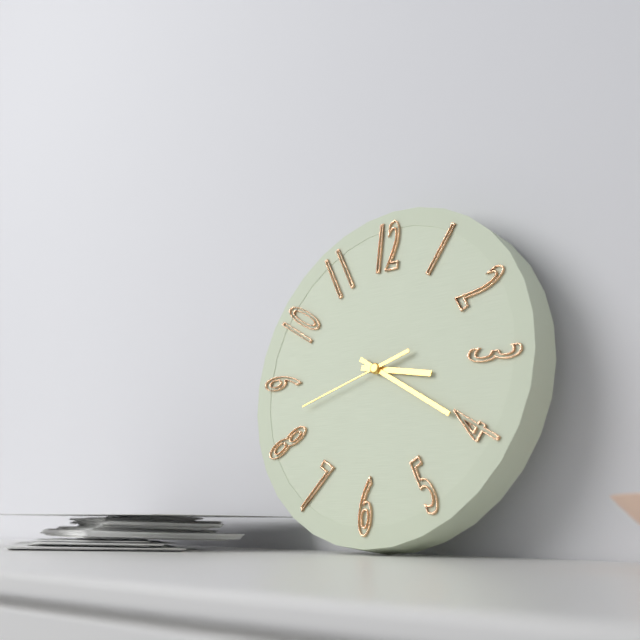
3:20:42
